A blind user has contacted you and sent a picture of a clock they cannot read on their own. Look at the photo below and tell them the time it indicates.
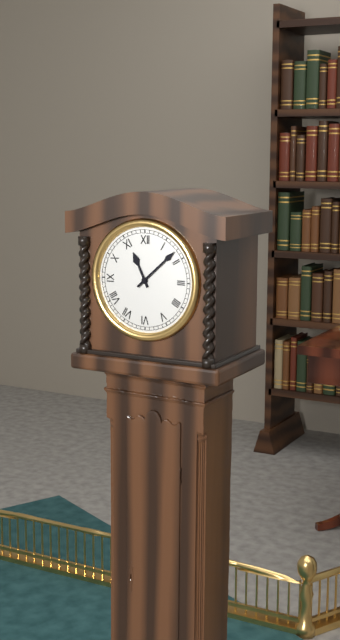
11:08
